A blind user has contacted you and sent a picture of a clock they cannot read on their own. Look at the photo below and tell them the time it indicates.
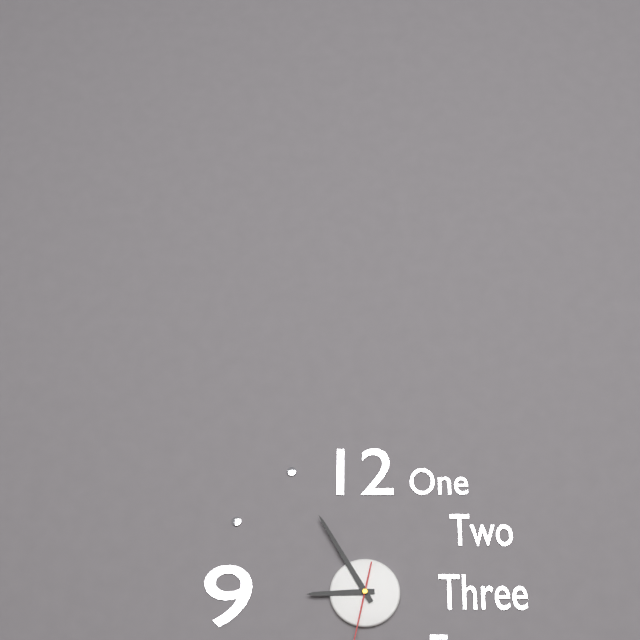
8:55
